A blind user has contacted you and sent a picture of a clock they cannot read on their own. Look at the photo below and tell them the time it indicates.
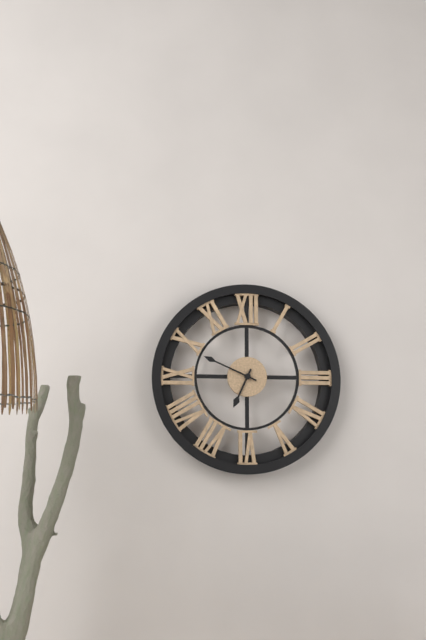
6:49
